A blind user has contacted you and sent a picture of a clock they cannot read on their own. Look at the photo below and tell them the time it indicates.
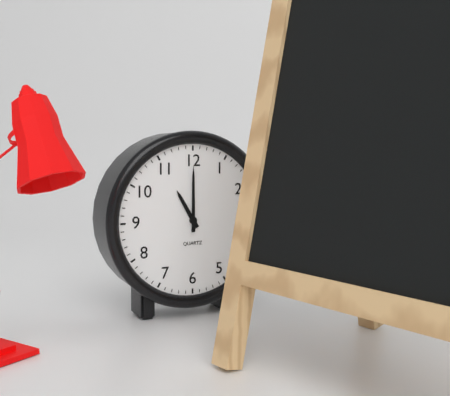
11:00
